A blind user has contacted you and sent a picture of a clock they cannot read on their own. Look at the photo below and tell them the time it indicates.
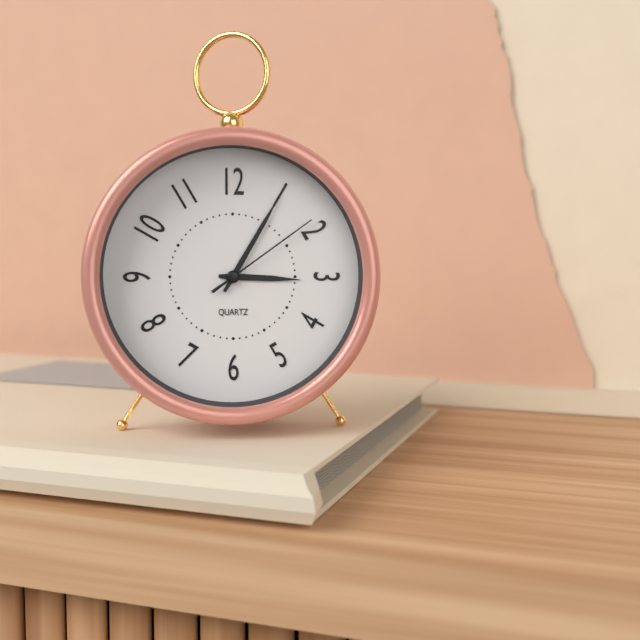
3:05:09
